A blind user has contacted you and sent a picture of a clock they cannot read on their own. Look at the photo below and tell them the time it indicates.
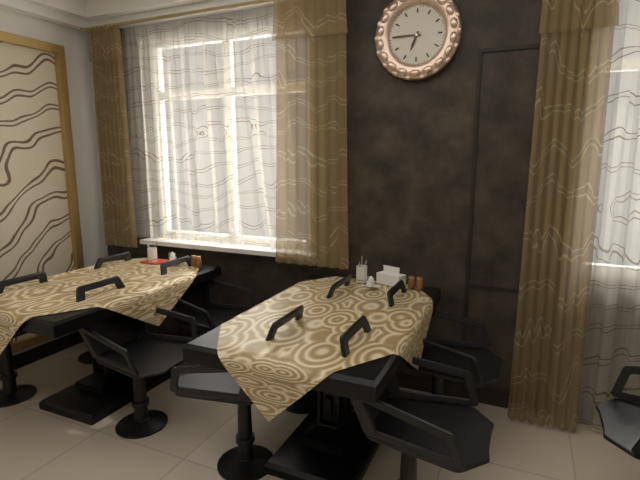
6:45
